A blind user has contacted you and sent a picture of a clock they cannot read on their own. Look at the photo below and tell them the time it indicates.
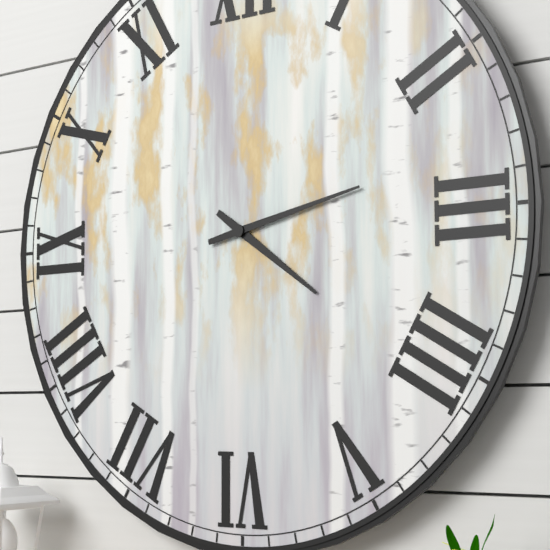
4:13
